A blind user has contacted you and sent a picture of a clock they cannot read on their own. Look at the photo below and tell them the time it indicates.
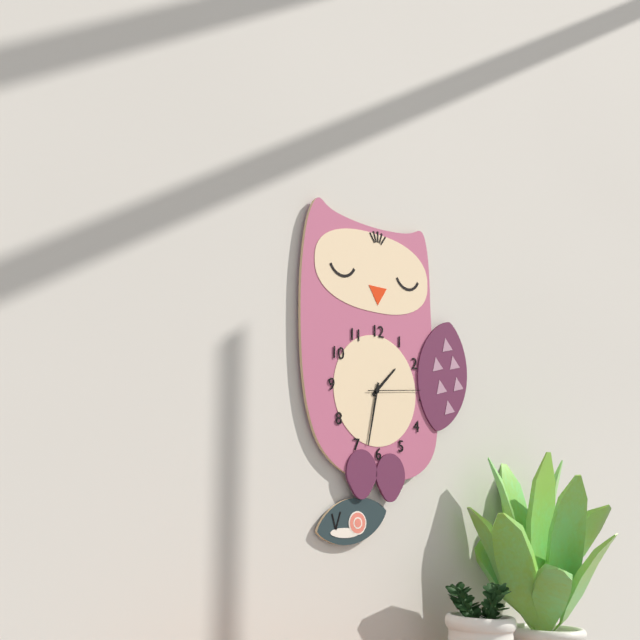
1:32:14
